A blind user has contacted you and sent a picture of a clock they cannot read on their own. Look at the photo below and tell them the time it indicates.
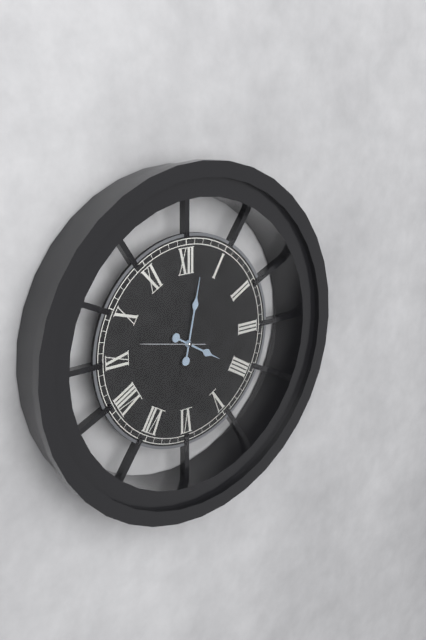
4:02:47
